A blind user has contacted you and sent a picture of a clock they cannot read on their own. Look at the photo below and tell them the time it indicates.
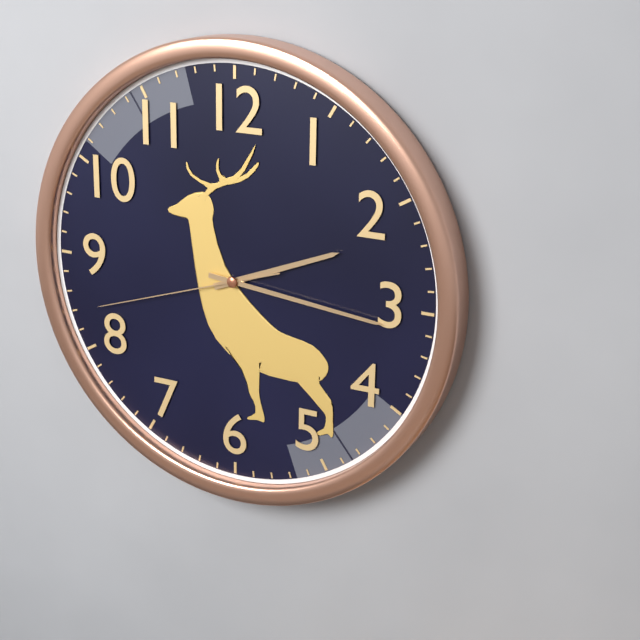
2:16:42
